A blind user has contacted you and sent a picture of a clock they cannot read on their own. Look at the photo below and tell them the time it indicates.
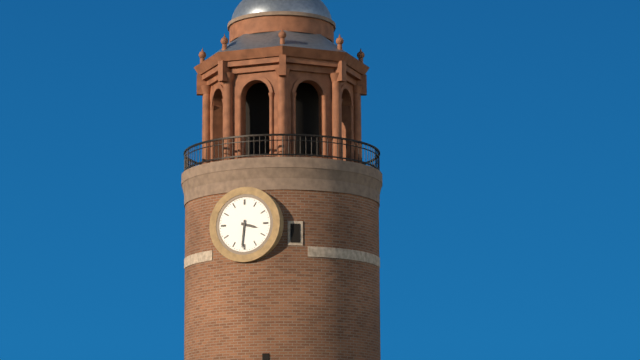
3:31
